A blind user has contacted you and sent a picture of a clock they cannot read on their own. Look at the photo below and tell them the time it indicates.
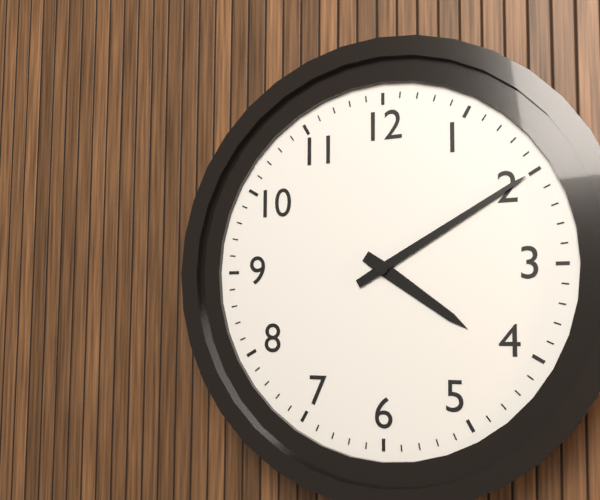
4:10
